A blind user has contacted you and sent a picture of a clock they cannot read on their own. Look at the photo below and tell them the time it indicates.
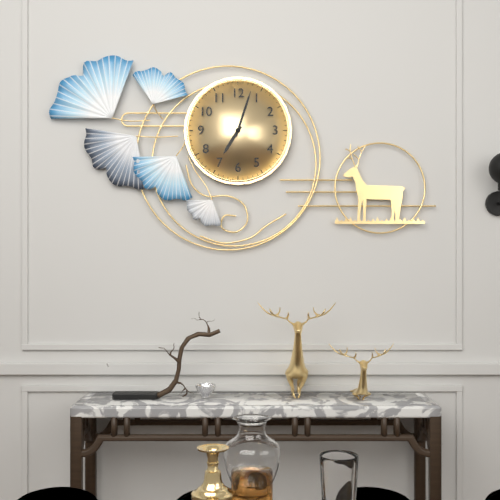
7:03
